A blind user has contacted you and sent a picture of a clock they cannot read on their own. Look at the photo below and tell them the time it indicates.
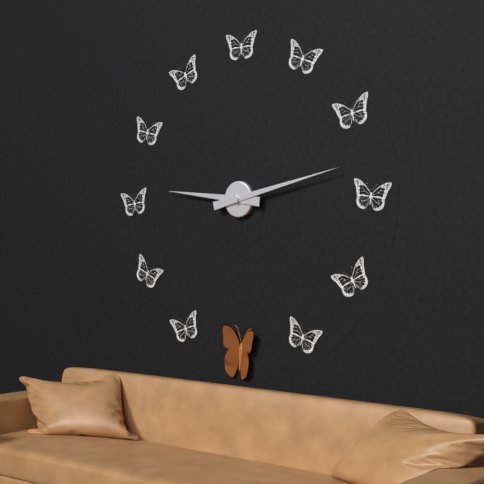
9:13
